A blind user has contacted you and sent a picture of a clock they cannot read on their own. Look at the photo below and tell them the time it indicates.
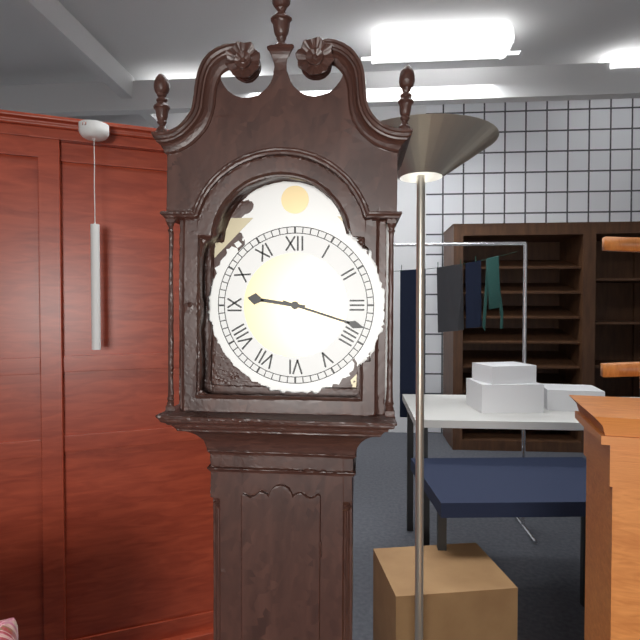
9:18
